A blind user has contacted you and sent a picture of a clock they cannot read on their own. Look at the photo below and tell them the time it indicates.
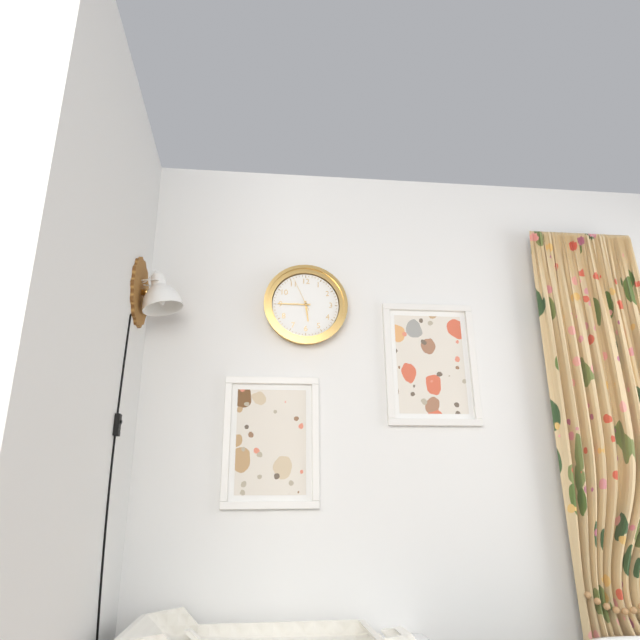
5:45
